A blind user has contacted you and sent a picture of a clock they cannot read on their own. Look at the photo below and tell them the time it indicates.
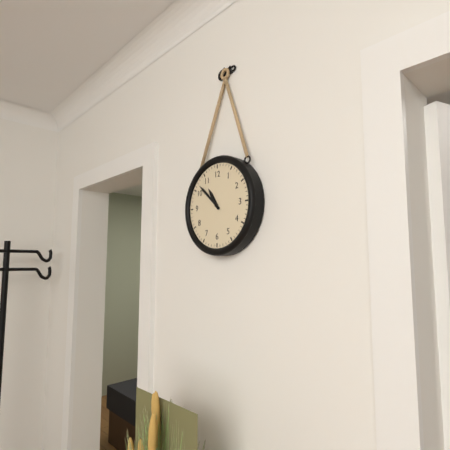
10:52
